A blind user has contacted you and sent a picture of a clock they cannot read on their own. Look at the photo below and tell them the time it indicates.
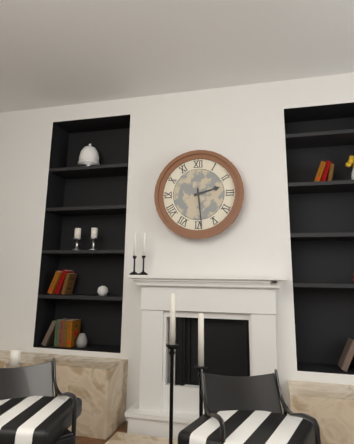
2:29
